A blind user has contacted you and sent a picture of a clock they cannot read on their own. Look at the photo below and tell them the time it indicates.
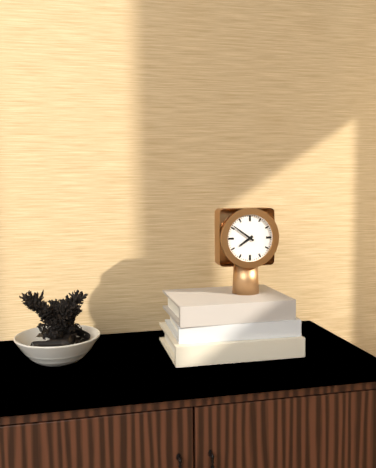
7:51
